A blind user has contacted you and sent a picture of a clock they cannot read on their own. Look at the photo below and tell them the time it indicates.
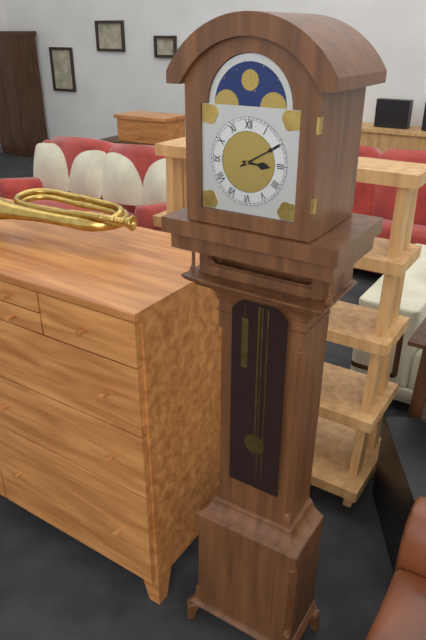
3:10
